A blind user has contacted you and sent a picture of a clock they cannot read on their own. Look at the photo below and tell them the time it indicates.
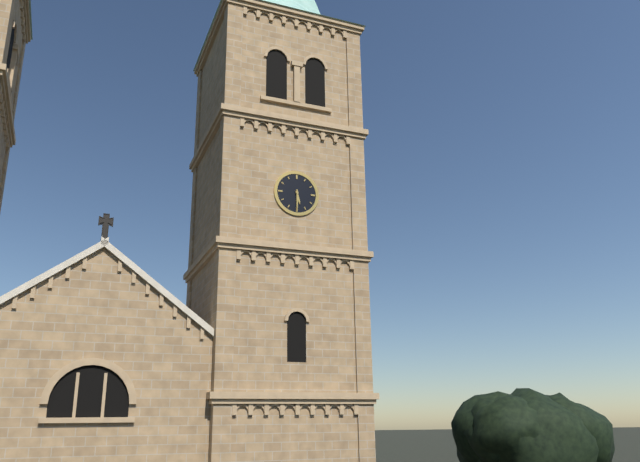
5:30
